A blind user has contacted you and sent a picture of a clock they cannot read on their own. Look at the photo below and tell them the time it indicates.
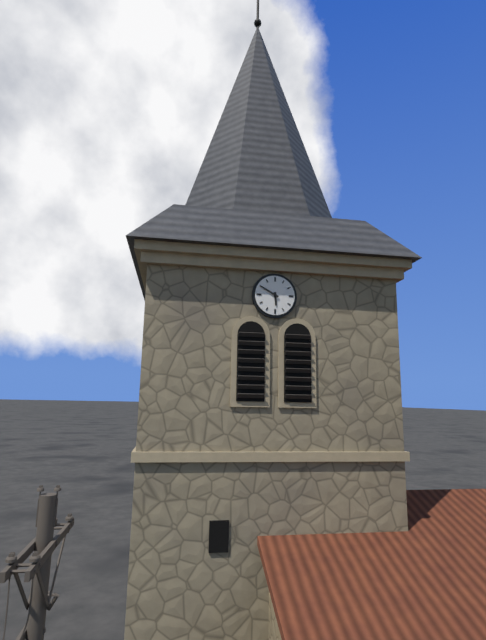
5:50
